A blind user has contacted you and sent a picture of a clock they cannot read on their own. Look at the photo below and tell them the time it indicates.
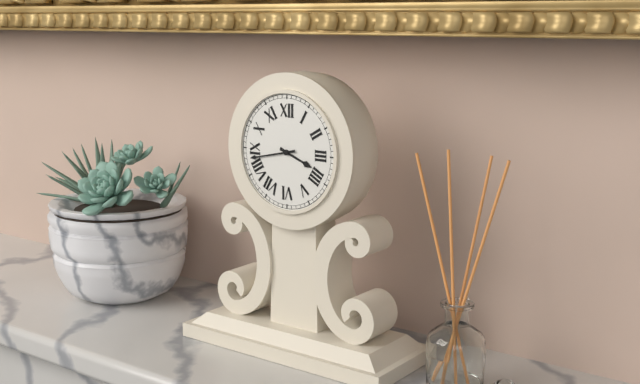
3:43
